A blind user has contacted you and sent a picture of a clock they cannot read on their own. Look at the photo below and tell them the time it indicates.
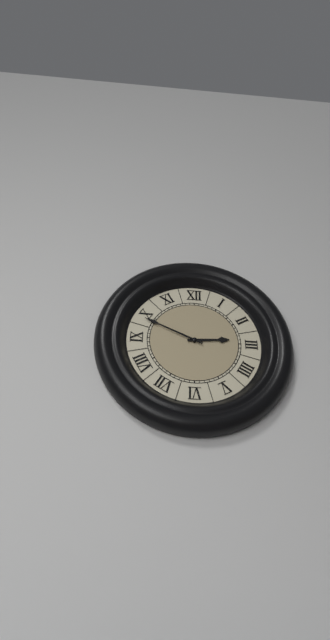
2:49
